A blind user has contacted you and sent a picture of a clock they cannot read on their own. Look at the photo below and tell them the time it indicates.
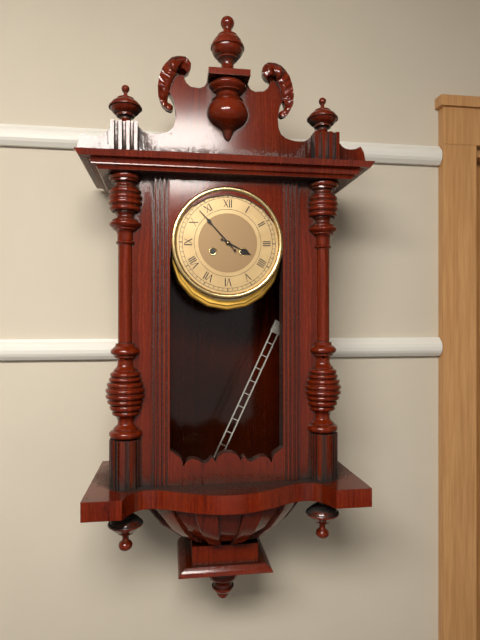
3:53
